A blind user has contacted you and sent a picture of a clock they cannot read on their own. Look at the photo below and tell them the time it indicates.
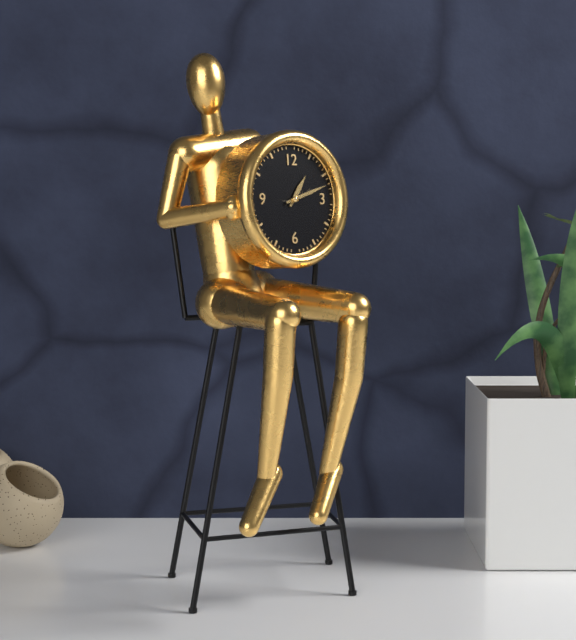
1:12
